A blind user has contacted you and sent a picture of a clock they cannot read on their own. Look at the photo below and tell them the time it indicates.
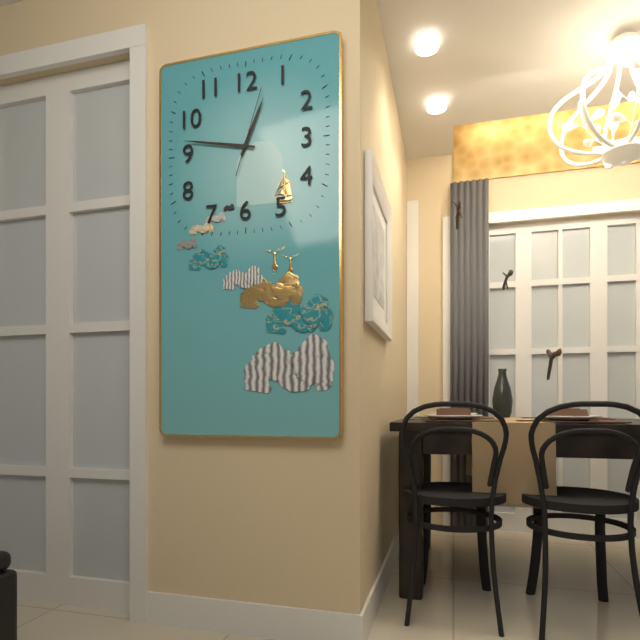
12:47:03
